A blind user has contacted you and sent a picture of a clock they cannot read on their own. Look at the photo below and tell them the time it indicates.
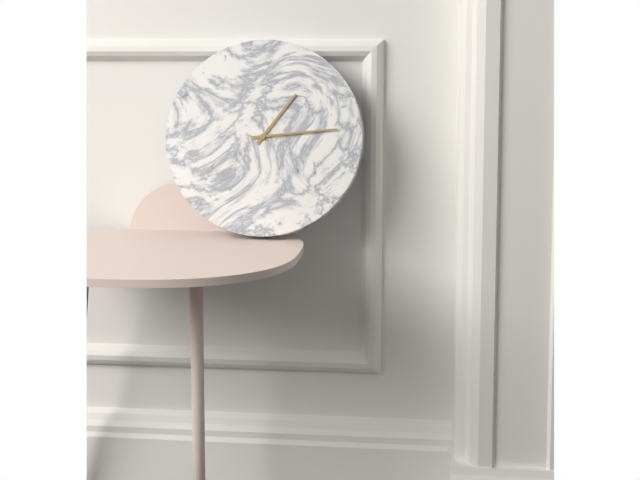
1:14
